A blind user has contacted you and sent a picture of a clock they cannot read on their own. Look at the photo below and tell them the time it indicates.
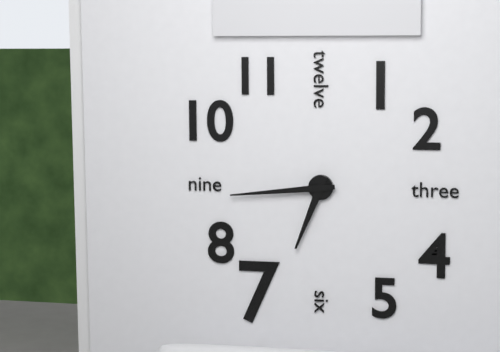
6:44
